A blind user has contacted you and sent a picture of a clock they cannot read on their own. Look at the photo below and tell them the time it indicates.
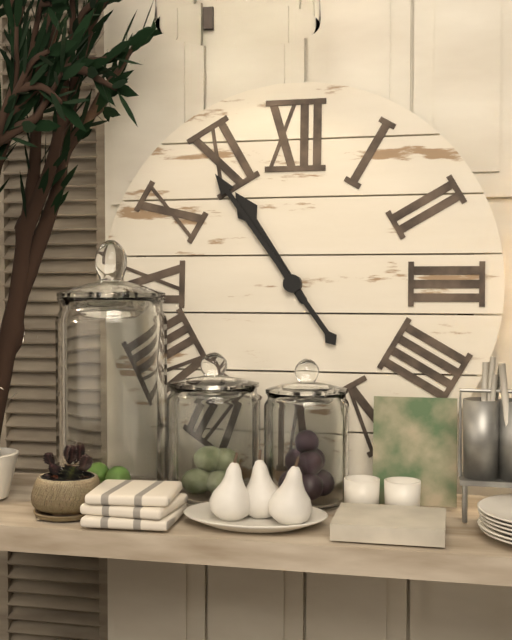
10:54
